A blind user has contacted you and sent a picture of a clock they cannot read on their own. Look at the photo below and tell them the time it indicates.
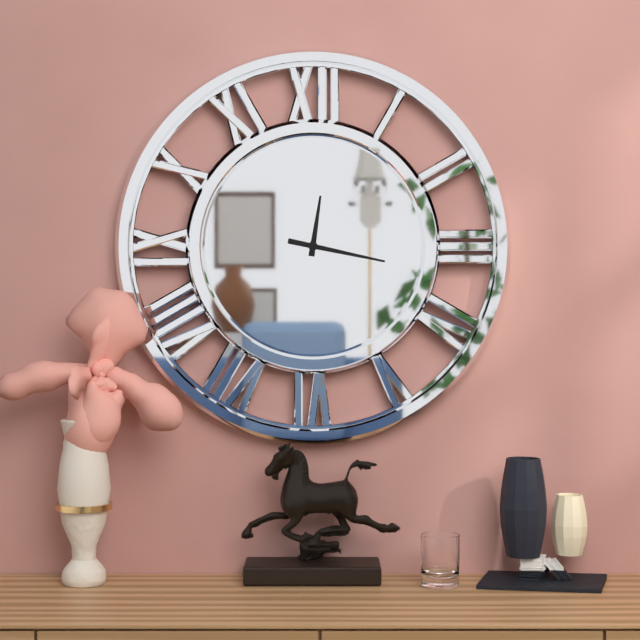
12:17
